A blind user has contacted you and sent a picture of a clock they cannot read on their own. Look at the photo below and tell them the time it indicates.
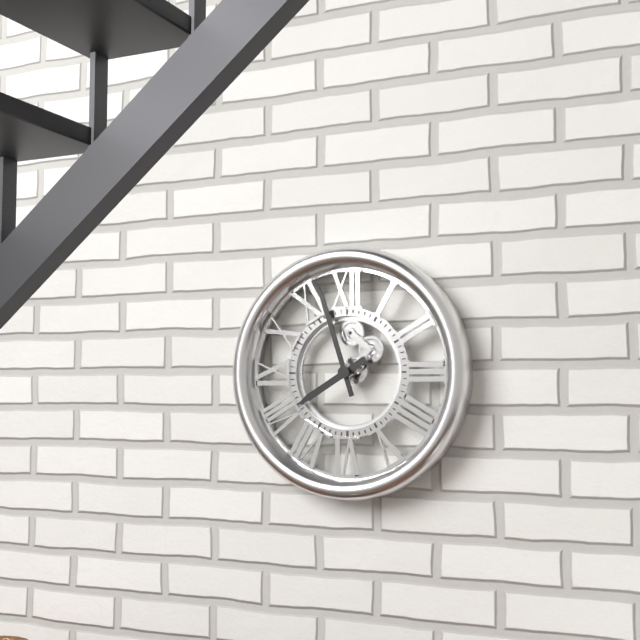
7:57
